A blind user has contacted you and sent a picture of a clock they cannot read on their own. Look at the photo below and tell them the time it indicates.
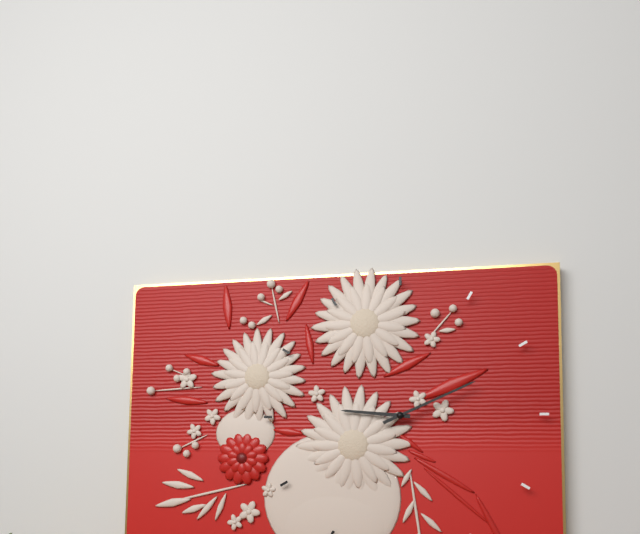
9:11
